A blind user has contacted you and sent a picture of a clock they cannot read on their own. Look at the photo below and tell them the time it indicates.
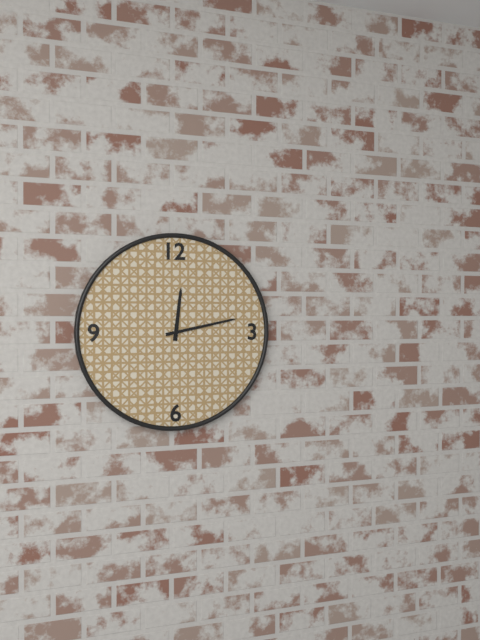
12:13
